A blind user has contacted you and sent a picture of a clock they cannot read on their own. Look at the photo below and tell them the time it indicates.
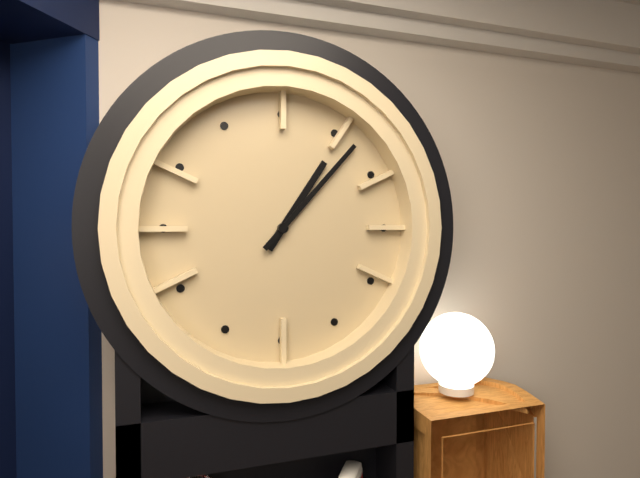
1:07
